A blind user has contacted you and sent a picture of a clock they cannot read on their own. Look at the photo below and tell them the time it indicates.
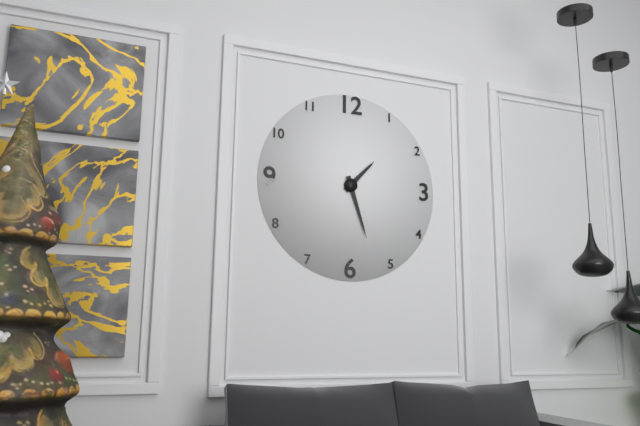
1:27
